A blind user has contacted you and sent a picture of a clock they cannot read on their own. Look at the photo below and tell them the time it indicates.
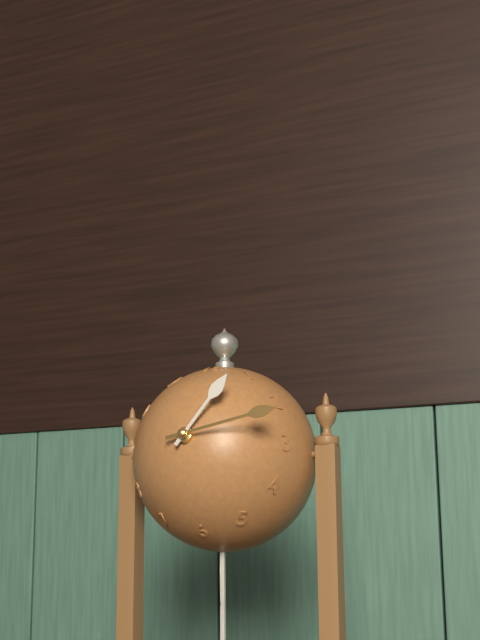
1:13
